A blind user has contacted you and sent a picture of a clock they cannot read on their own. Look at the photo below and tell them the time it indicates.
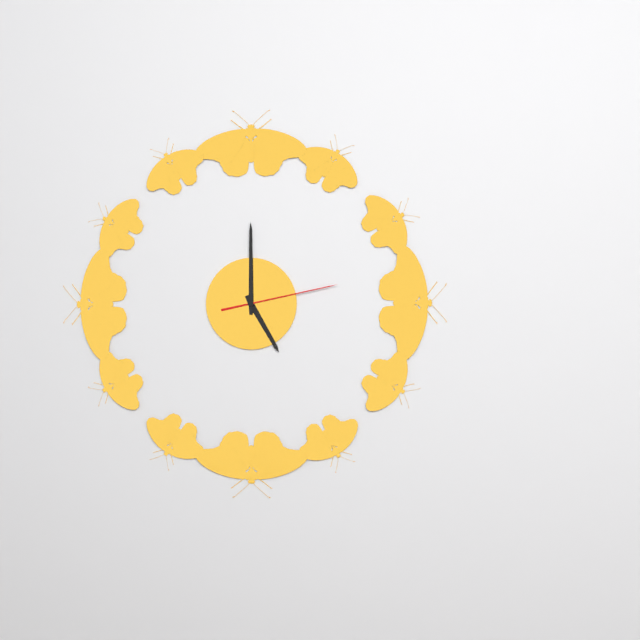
5:00:13
